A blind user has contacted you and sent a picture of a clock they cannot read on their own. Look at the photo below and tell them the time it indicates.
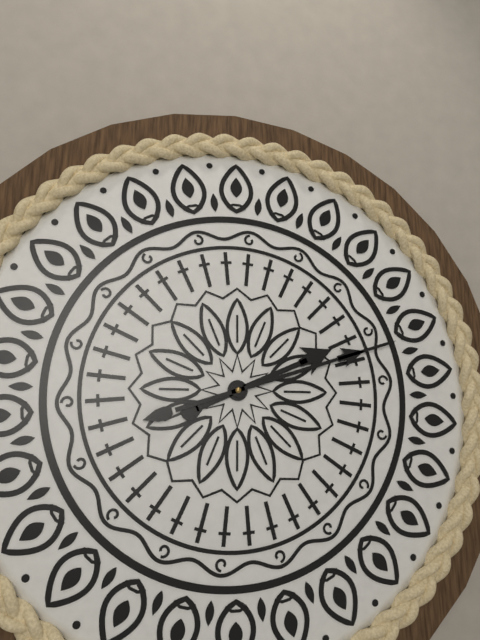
2:12
